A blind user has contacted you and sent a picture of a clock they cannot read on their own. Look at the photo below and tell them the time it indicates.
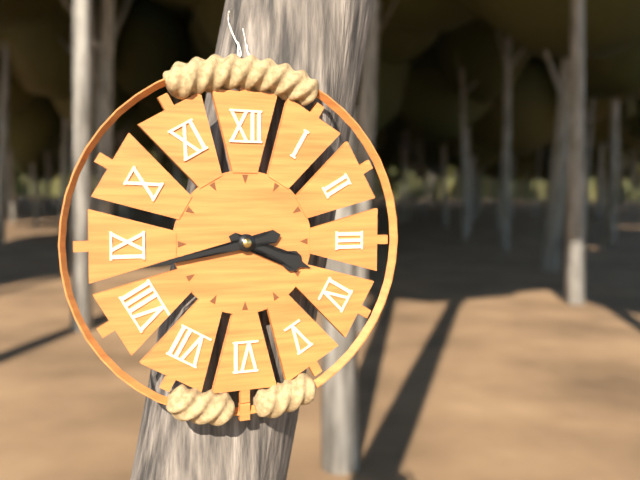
3:43
